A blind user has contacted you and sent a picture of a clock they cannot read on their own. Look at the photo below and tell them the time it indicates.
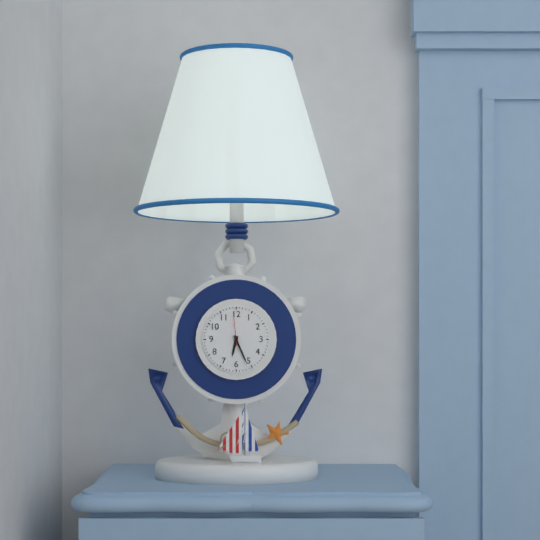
6:26
